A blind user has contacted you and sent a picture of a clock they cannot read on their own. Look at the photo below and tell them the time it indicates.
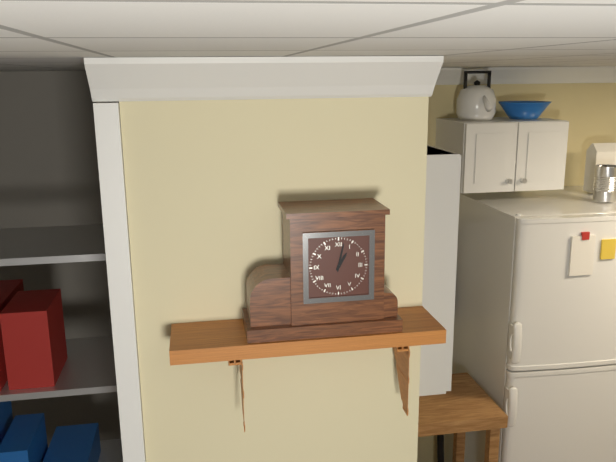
1:02
